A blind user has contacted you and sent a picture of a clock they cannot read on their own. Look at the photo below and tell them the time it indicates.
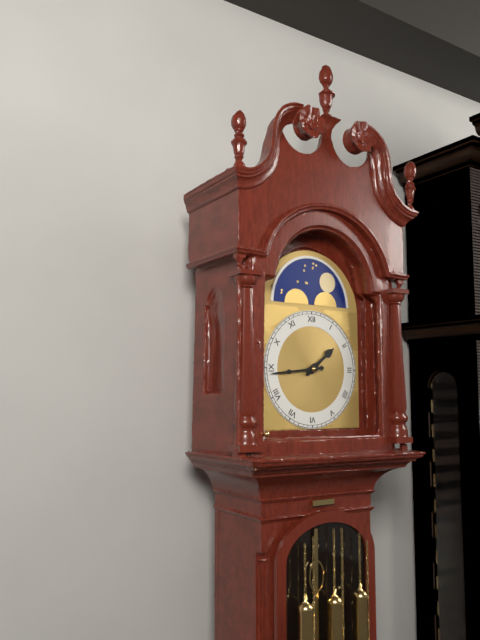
1:44
